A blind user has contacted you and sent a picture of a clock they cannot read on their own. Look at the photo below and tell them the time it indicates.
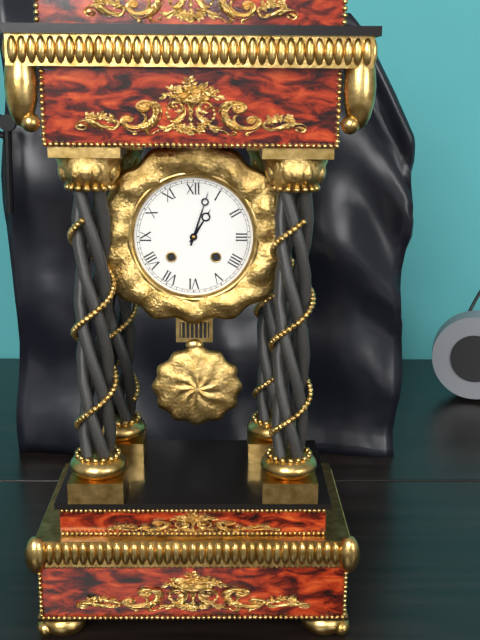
1:03
